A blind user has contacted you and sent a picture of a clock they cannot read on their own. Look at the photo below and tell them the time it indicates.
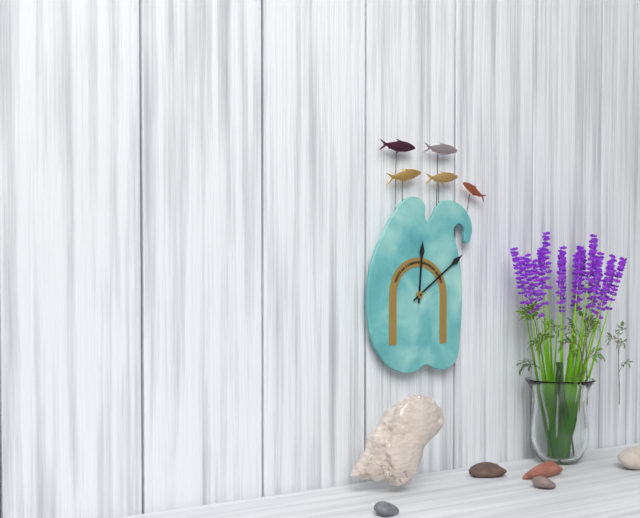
12:09
